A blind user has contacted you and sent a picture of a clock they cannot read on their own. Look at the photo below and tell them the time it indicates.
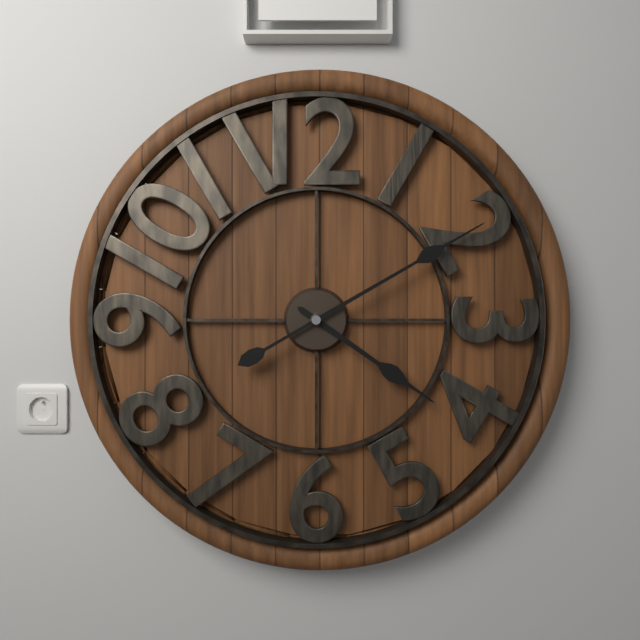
4:10
